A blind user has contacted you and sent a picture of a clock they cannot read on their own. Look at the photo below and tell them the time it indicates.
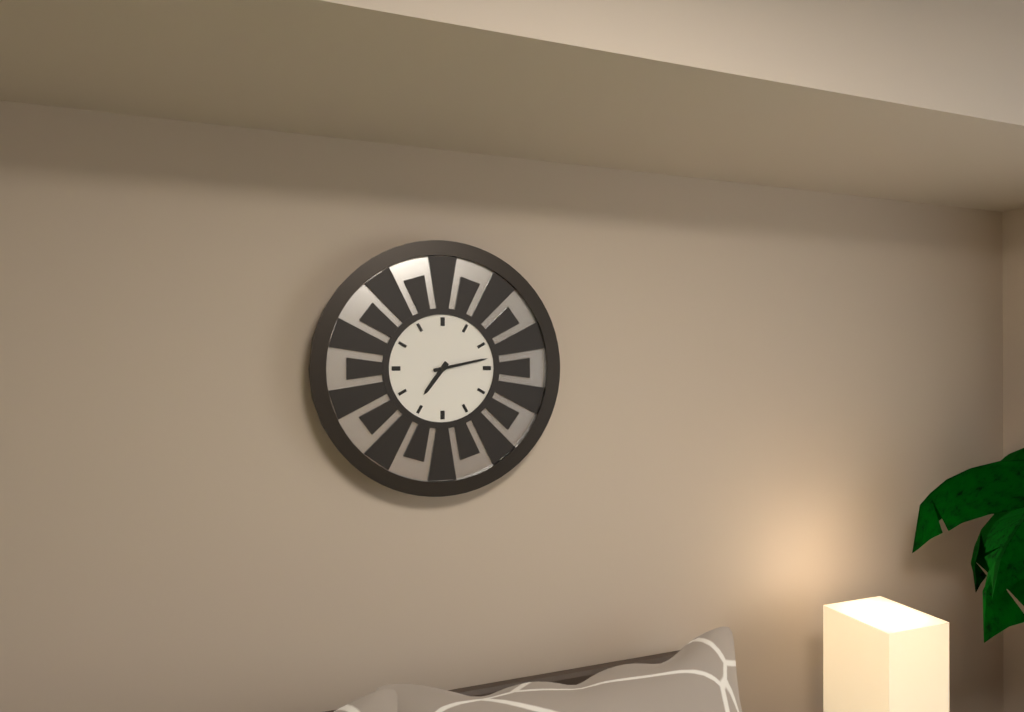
7:13
